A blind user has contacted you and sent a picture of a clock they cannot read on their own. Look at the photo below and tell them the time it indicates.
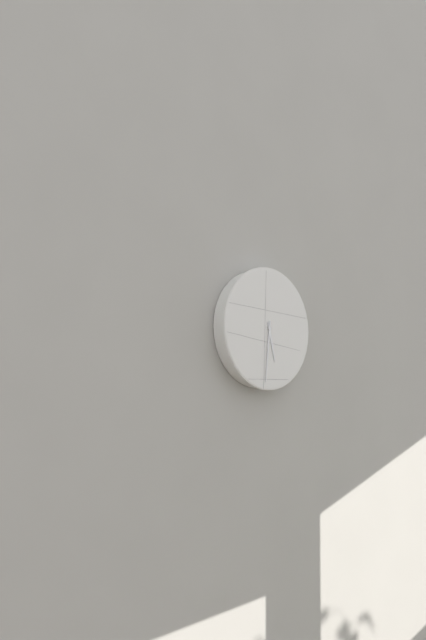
5:31
